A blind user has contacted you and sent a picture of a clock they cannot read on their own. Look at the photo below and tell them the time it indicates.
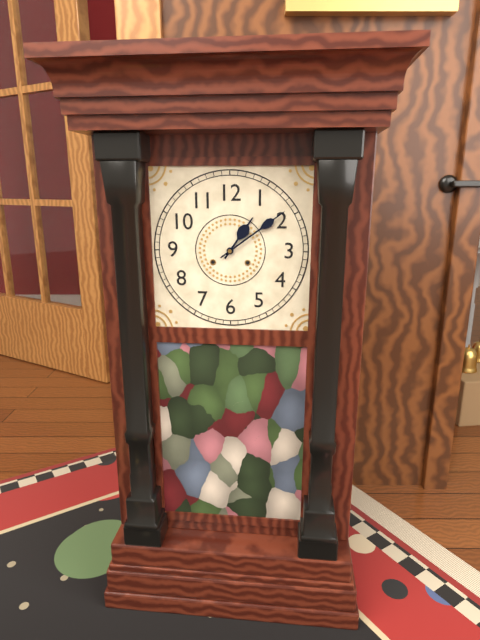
1:09
